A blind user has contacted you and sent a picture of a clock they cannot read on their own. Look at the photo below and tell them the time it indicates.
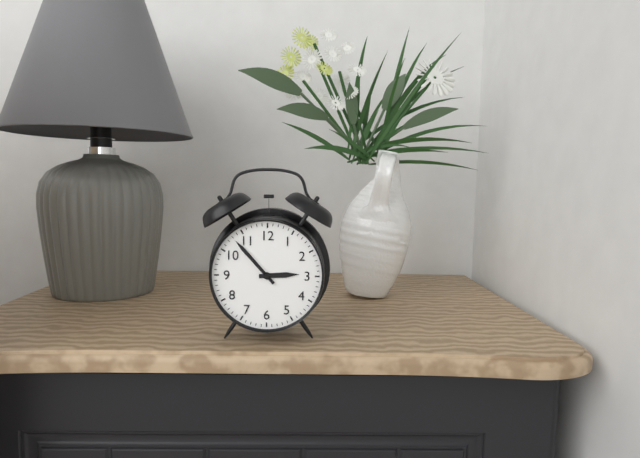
2:53
